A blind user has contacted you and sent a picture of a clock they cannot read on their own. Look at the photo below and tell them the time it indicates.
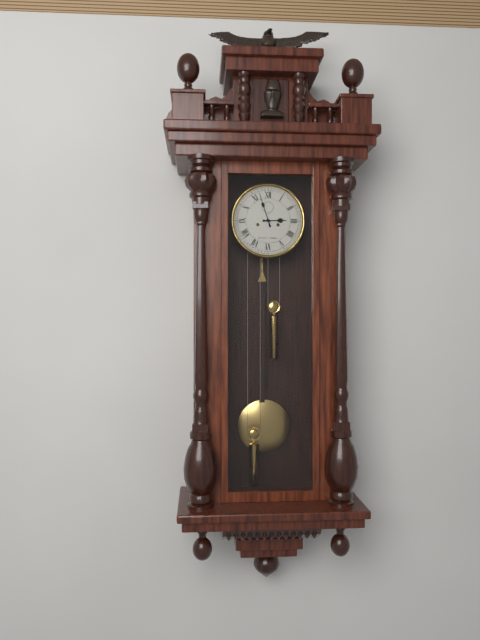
2:57
